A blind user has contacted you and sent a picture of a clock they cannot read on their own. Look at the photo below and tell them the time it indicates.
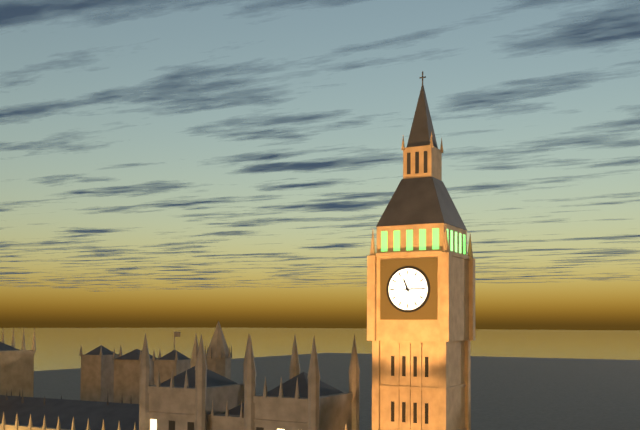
11:15
